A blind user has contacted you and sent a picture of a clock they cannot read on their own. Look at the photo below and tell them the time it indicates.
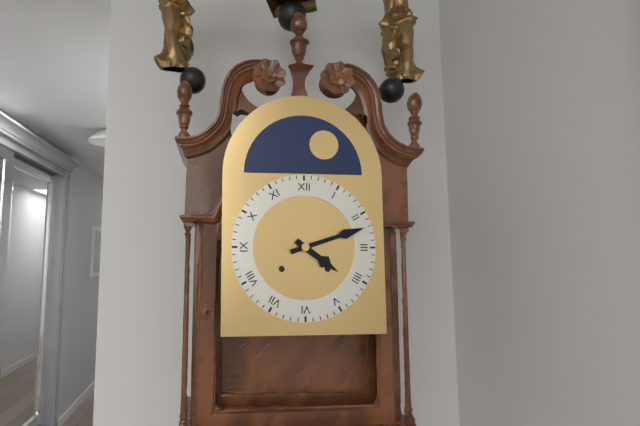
4:12
